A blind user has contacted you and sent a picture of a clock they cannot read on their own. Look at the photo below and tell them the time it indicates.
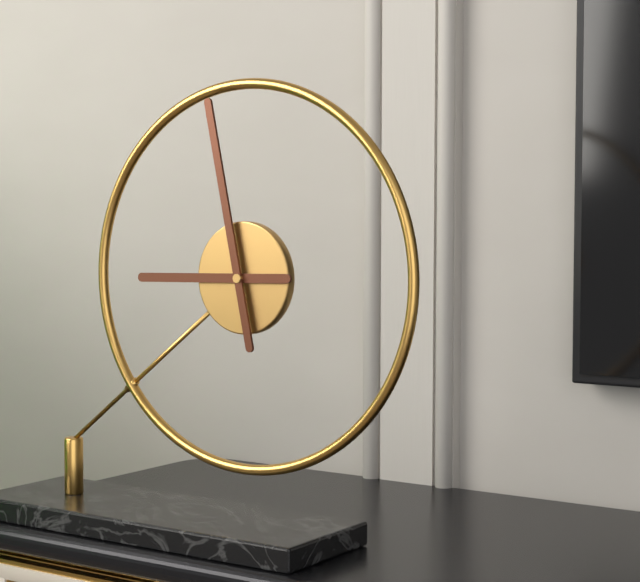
8:58
